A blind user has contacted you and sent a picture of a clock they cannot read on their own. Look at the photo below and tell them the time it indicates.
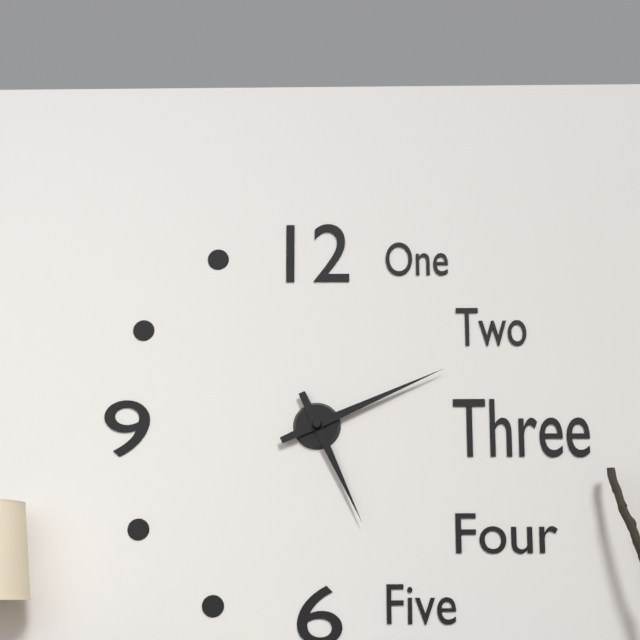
5:11
